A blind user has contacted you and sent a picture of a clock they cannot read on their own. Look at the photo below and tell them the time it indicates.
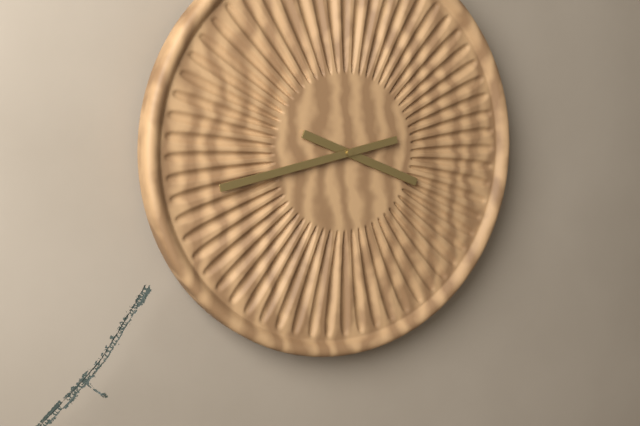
3:43
